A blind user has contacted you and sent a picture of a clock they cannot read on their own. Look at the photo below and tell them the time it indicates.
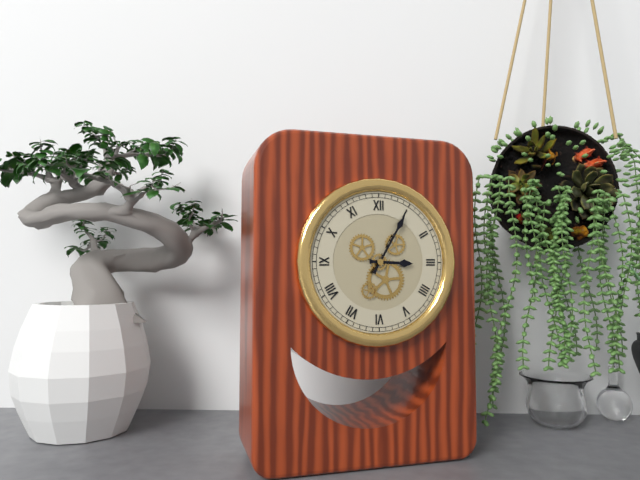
3:05
